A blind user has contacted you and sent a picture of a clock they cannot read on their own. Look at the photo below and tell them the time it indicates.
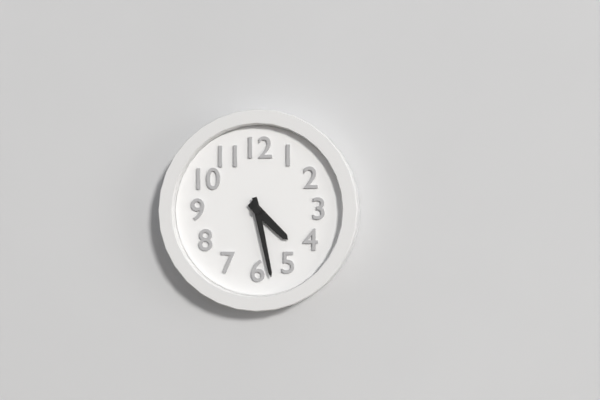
4:28
